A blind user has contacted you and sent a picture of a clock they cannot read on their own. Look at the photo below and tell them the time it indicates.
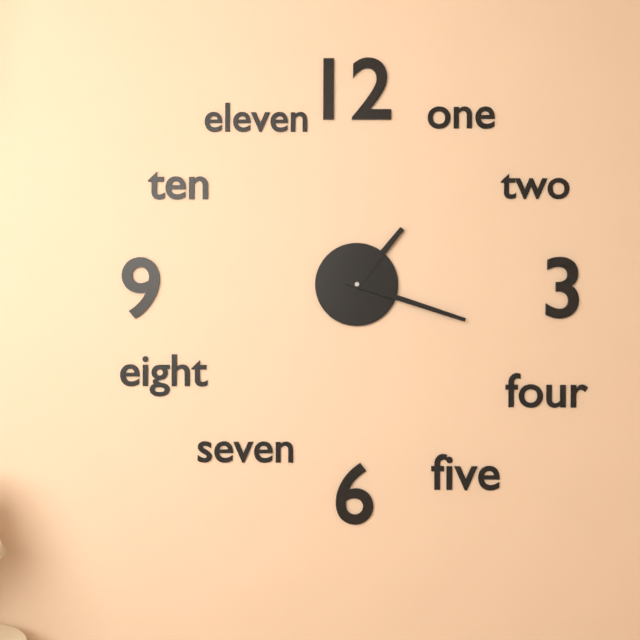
1:18
